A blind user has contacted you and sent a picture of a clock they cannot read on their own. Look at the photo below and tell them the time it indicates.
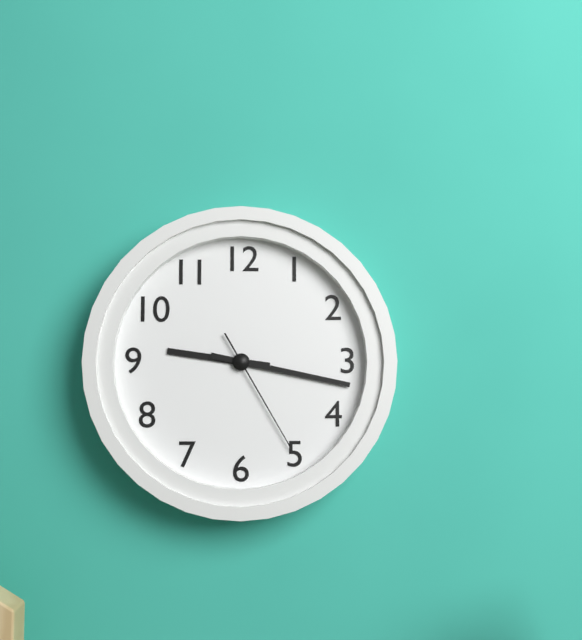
9:17:25
